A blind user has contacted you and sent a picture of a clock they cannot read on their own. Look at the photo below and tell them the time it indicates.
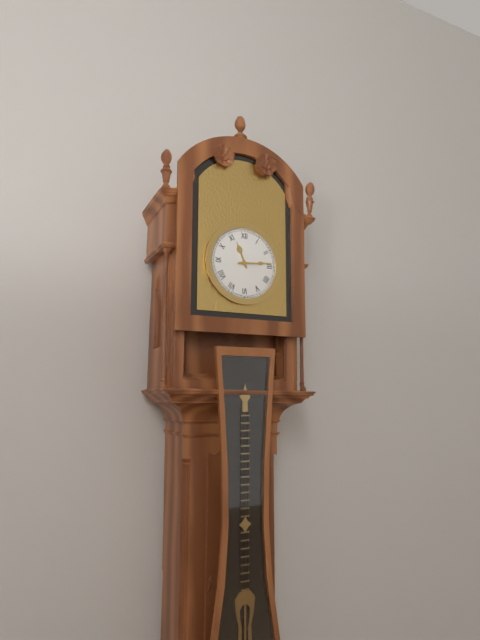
11:14
